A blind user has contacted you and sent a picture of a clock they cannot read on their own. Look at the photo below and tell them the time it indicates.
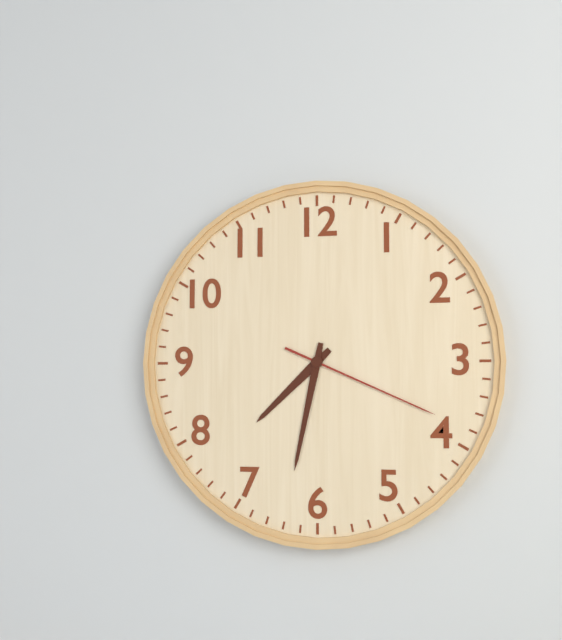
7:32:19
